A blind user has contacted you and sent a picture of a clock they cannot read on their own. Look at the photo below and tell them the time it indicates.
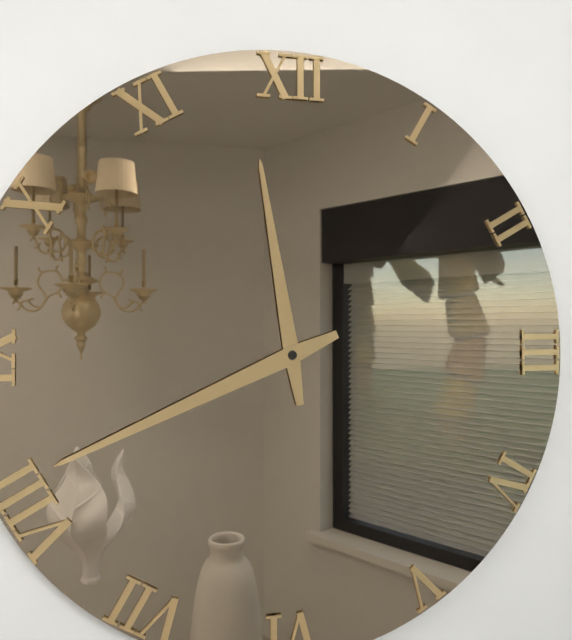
11:41
